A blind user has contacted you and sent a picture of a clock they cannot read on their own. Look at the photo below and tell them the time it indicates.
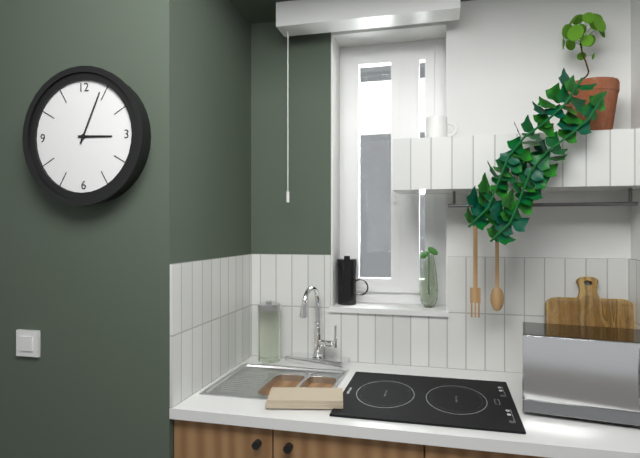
3:04
